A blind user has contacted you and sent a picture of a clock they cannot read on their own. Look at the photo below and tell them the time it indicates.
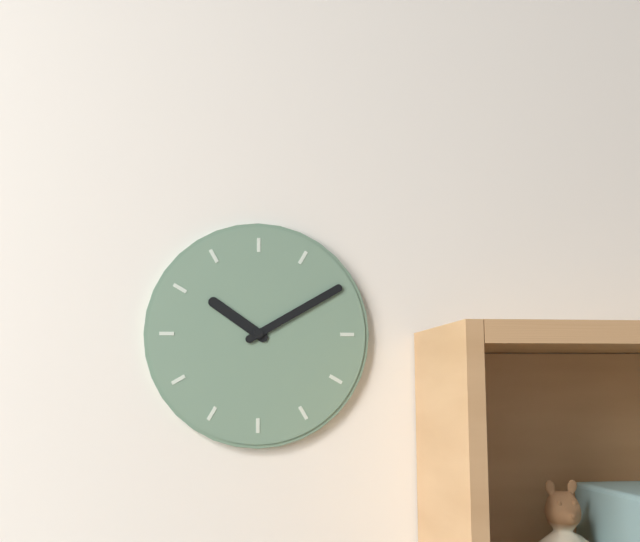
10:10
